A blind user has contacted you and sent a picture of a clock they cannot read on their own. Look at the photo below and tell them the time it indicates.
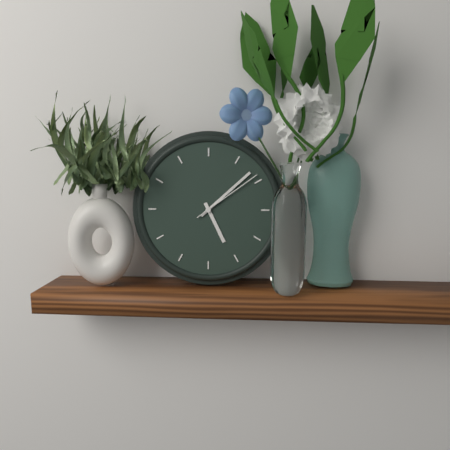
5:08:09
